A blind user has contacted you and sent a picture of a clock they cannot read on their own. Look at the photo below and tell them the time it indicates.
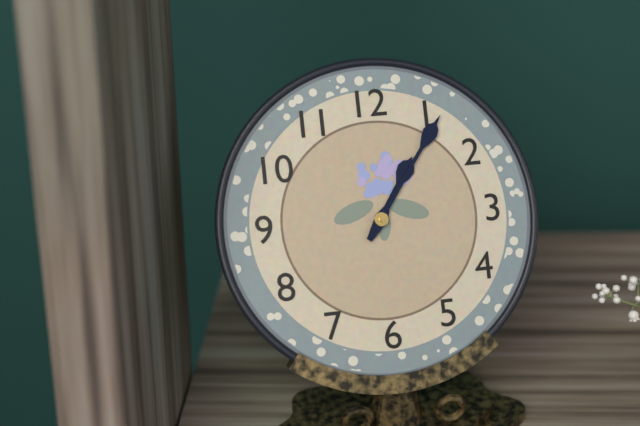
1:06
